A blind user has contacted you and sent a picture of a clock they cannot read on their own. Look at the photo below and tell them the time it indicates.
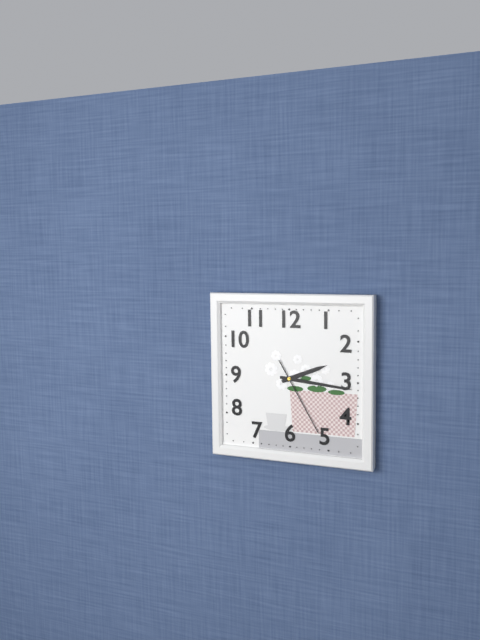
2:16:25
